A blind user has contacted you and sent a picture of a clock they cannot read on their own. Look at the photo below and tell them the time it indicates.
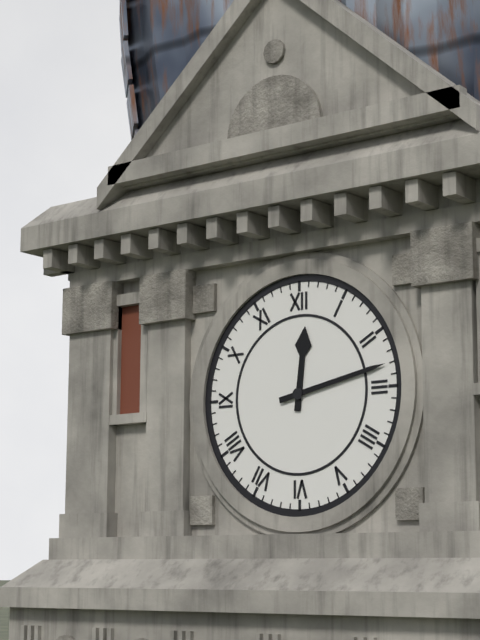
12:13
